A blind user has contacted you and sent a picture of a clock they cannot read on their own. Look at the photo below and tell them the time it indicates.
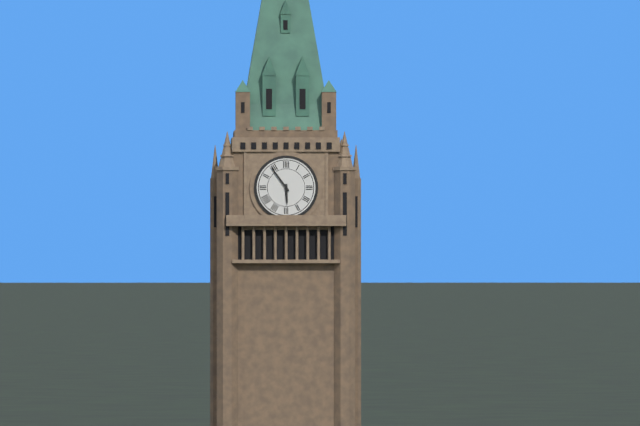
5:54
